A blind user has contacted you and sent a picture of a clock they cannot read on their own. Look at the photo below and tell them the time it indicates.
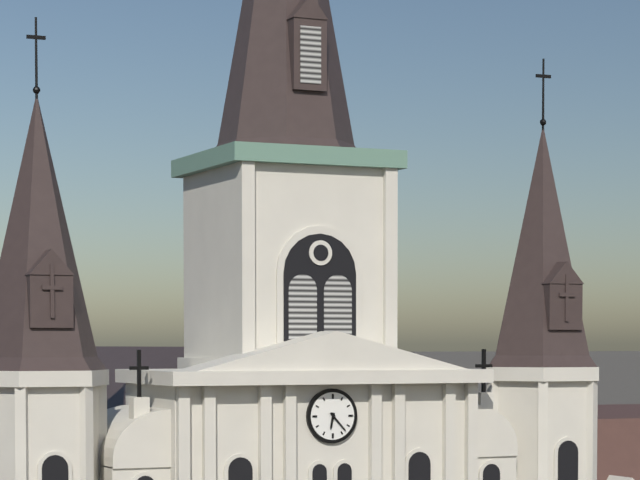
6:23
